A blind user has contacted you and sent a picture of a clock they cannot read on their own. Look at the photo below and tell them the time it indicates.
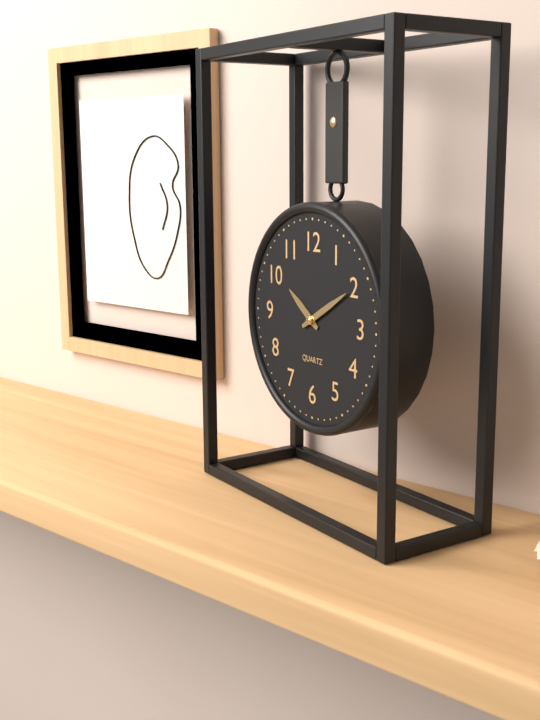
10:10
